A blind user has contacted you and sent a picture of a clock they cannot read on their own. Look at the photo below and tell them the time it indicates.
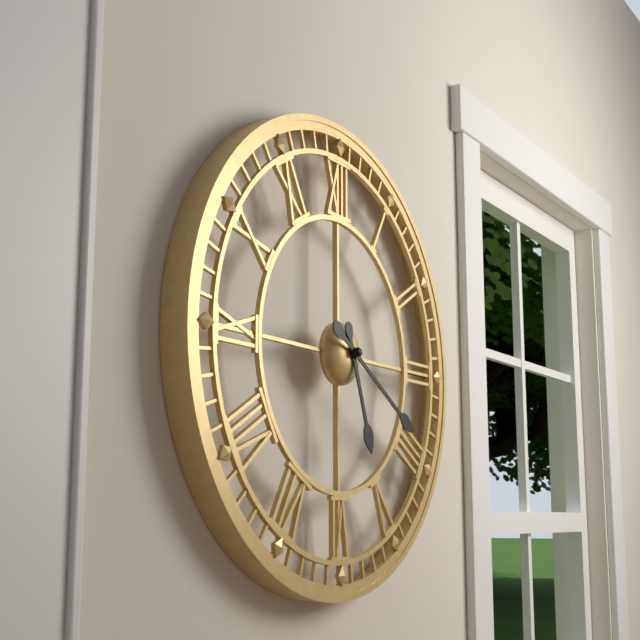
5:20
